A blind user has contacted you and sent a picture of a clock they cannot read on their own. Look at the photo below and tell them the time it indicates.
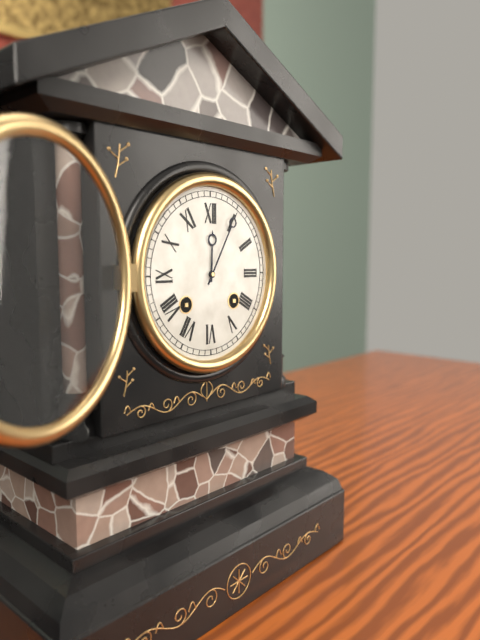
12:05
